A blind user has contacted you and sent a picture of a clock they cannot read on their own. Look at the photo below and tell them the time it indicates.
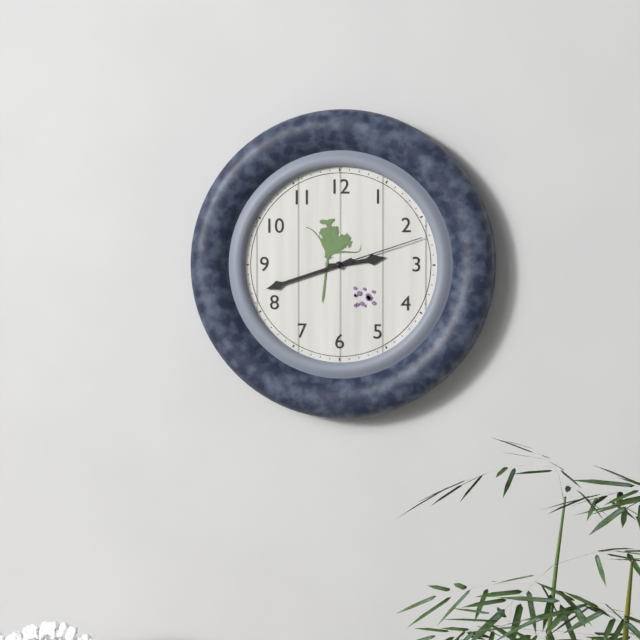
2:42:12
